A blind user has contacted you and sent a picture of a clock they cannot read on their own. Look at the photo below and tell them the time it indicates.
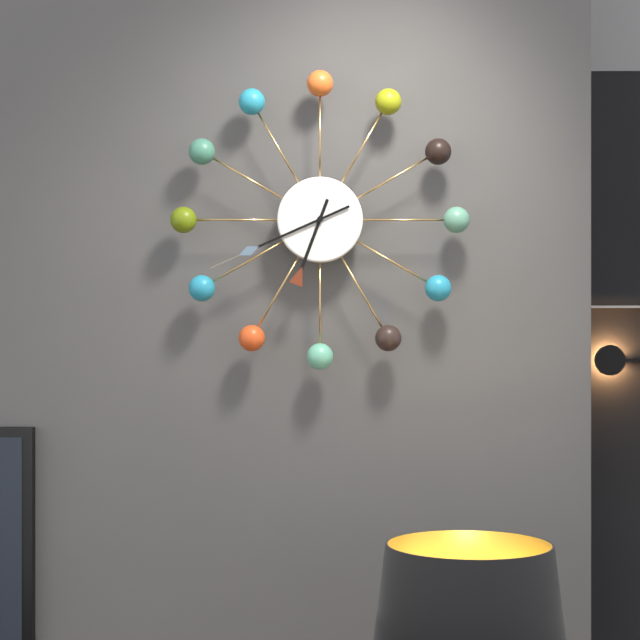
6:41
